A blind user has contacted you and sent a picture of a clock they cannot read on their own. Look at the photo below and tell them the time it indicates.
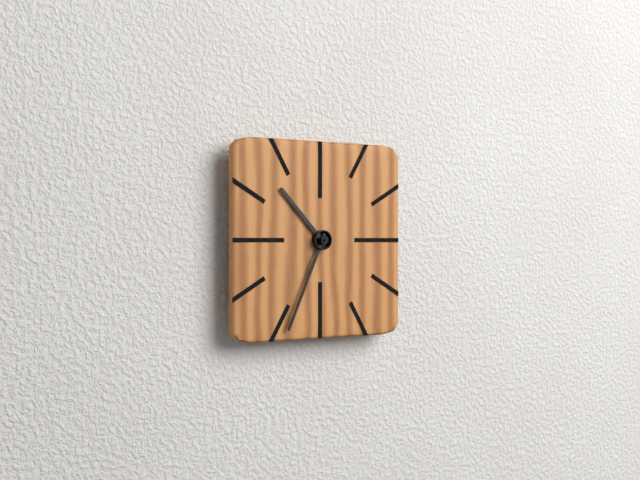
10:34
